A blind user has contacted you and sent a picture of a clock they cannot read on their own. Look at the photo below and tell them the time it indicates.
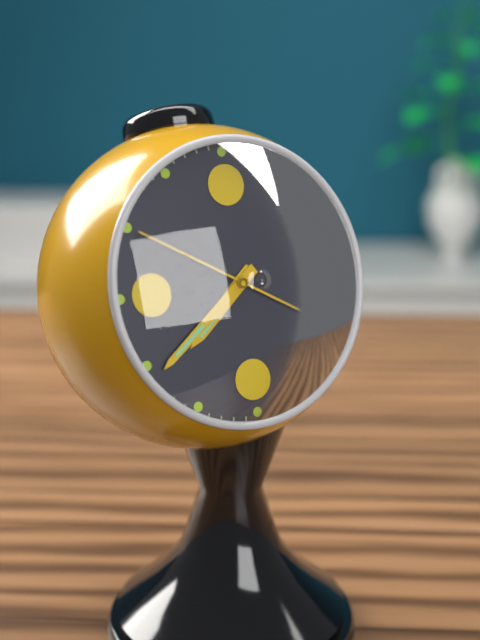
7:39:50
